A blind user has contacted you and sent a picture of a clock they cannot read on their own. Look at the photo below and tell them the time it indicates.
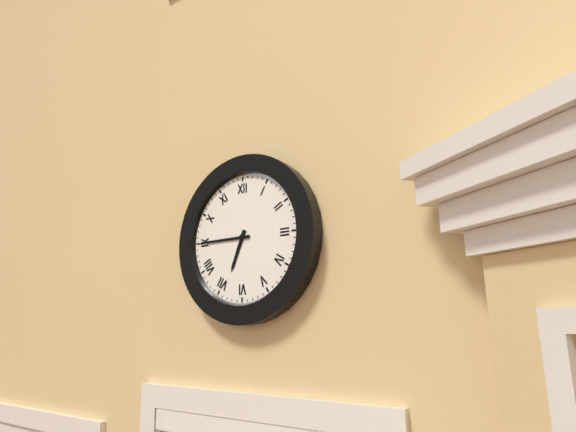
6:45
